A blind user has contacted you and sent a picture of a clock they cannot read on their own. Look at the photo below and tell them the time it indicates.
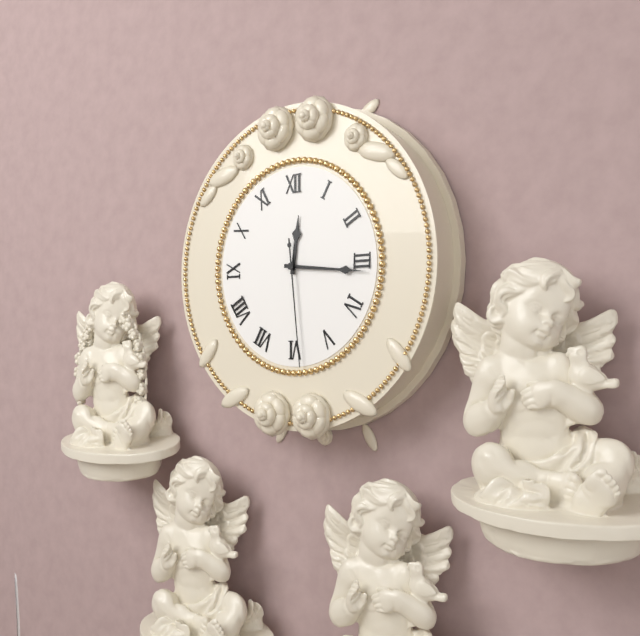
12:16:29
